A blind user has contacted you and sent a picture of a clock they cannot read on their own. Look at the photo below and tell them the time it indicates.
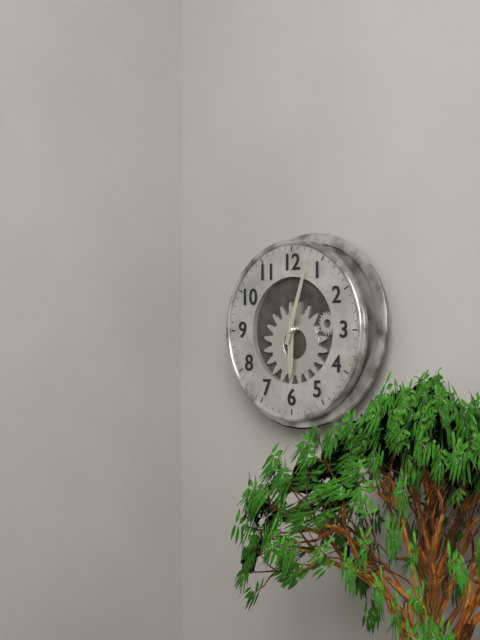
6:03
